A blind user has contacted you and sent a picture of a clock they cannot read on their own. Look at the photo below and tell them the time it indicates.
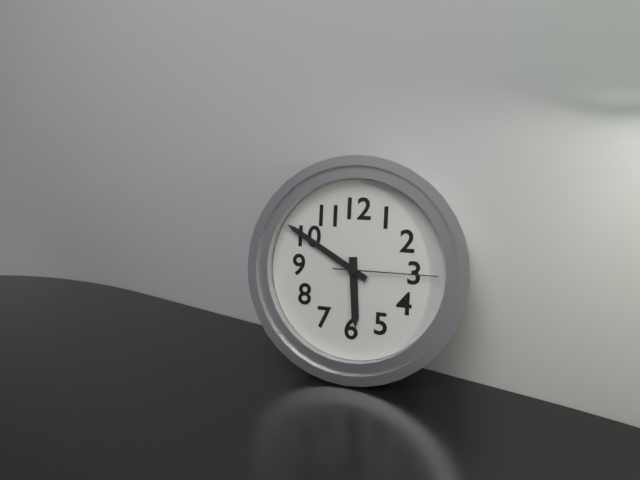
5:50:15
